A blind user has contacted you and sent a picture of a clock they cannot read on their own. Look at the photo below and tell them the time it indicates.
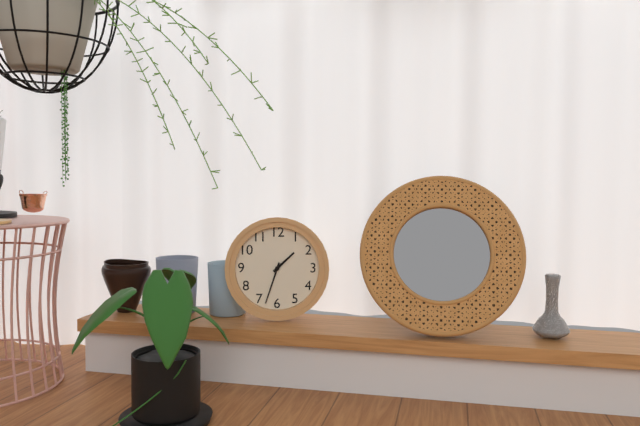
1:33
